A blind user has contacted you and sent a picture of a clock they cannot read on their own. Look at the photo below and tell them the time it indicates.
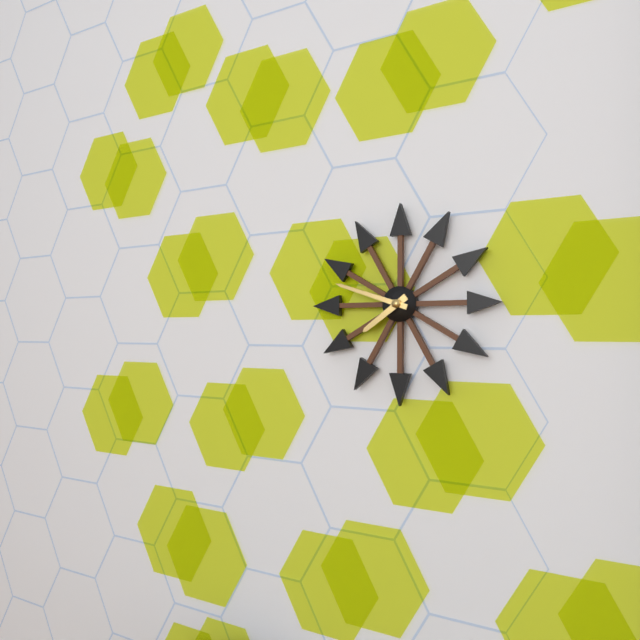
7:48
